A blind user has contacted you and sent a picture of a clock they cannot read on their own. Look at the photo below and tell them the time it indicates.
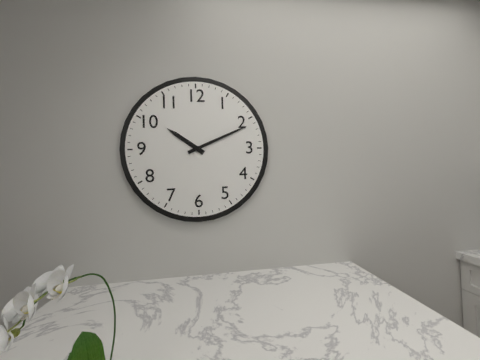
10:11
